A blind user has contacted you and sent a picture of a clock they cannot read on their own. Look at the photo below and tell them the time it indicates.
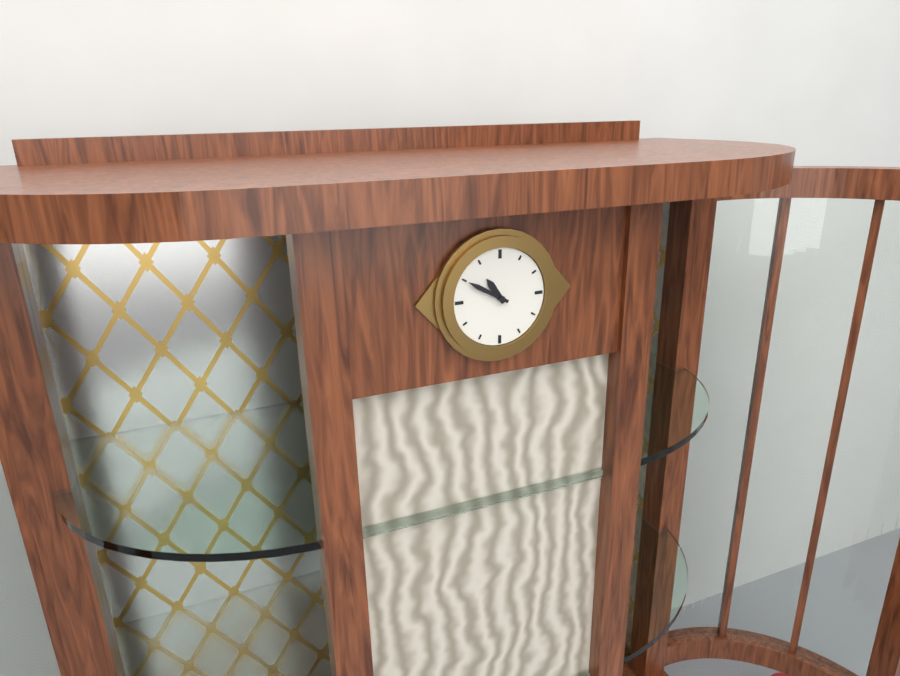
10:50
